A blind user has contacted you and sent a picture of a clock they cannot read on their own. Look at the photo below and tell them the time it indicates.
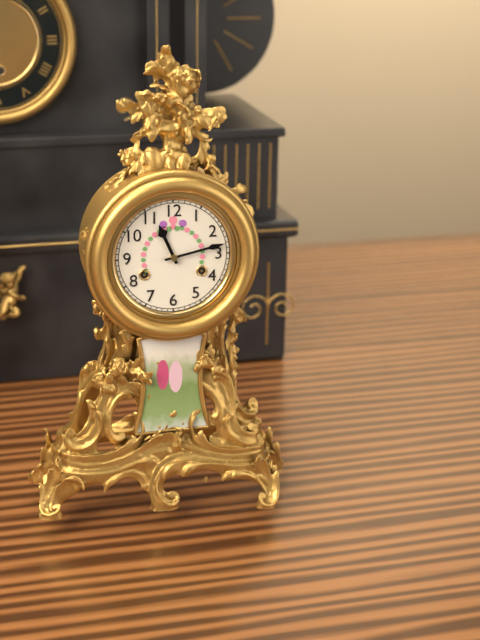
11:13
